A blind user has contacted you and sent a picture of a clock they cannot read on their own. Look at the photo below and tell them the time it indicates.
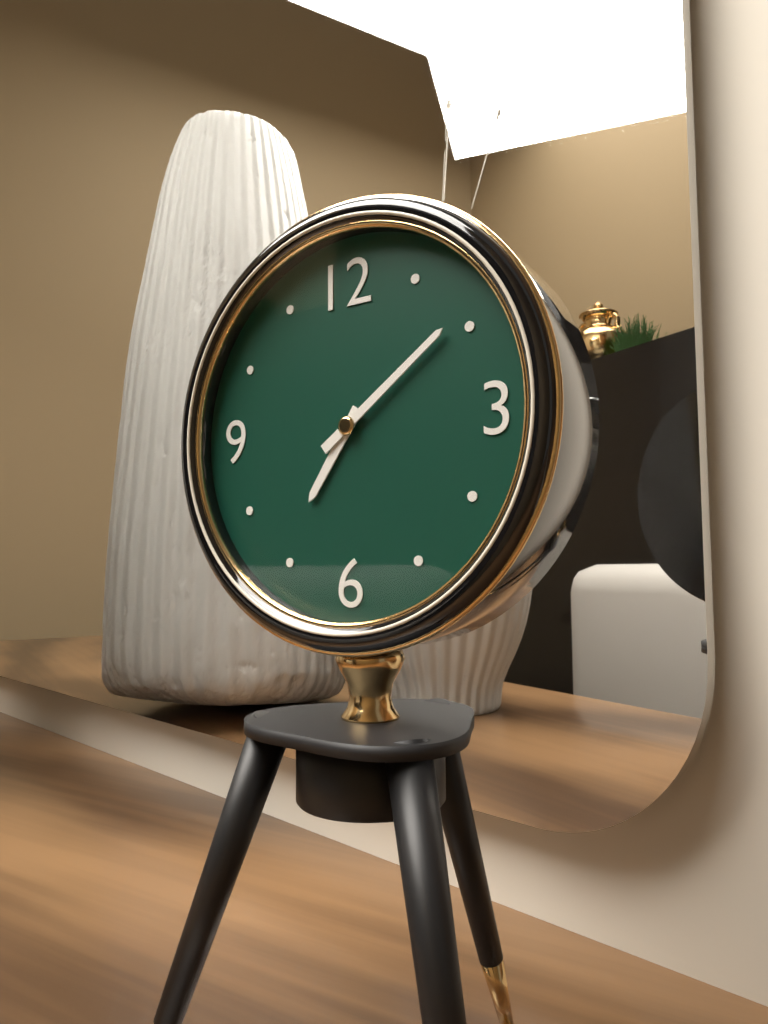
7:09
